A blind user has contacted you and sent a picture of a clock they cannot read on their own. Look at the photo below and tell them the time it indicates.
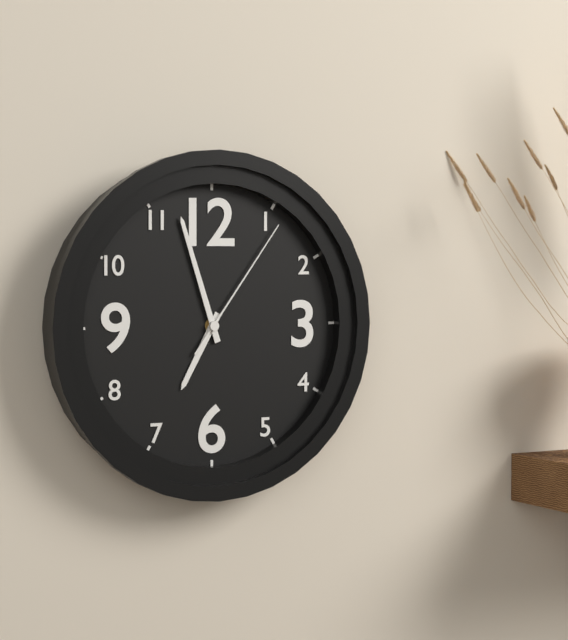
6:57:06
